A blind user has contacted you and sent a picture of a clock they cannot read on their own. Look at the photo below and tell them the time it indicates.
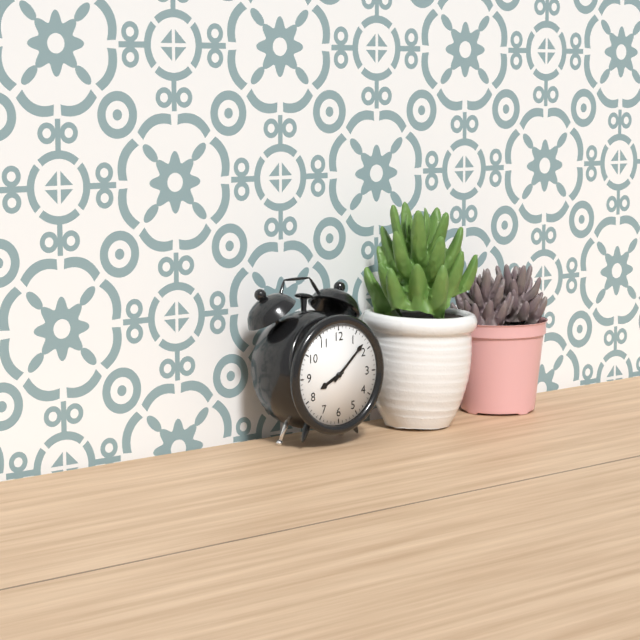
8:08
